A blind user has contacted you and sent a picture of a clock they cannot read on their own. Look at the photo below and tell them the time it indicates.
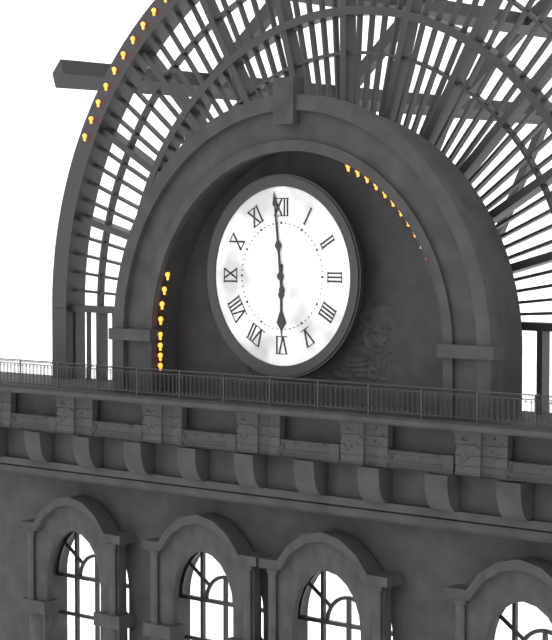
5:59
